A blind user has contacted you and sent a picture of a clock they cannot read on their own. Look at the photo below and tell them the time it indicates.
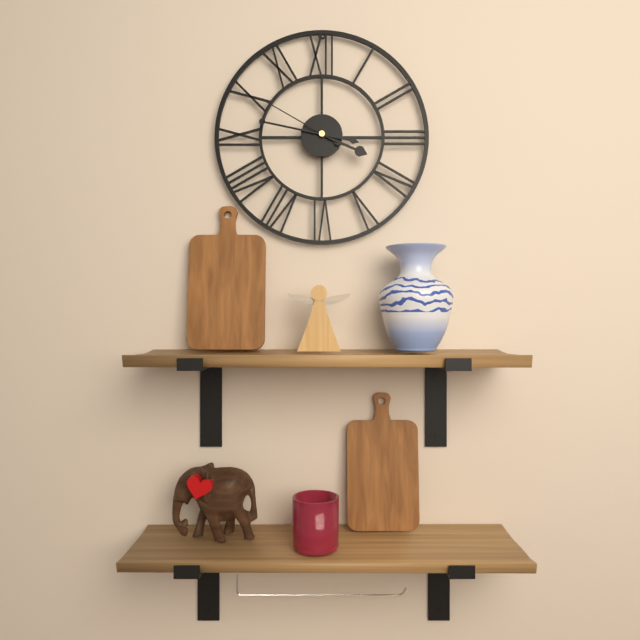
3:47:50
